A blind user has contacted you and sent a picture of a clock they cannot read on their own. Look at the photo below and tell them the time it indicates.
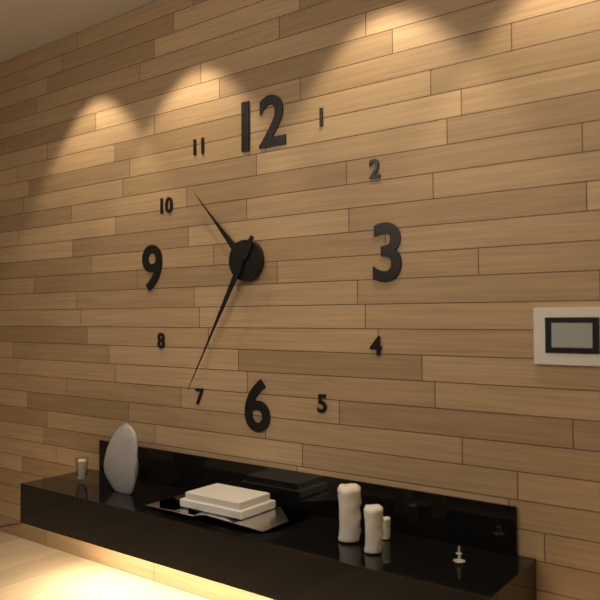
10:35
